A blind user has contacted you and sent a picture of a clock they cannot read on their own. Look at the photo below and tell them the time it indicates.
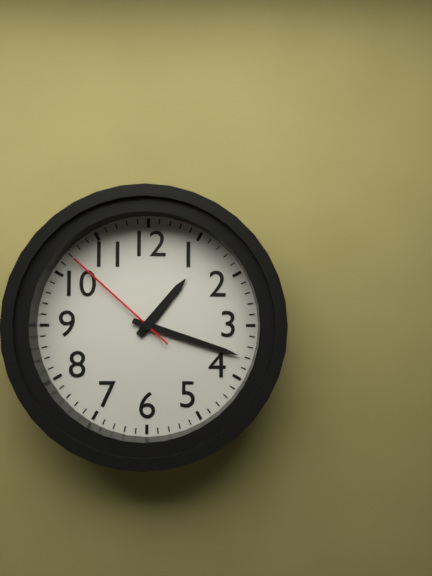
1:18:52
